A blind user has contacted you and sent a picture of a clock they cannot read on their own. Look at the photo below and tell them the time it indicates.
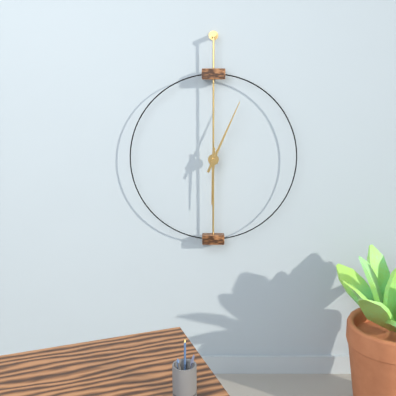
6:04
